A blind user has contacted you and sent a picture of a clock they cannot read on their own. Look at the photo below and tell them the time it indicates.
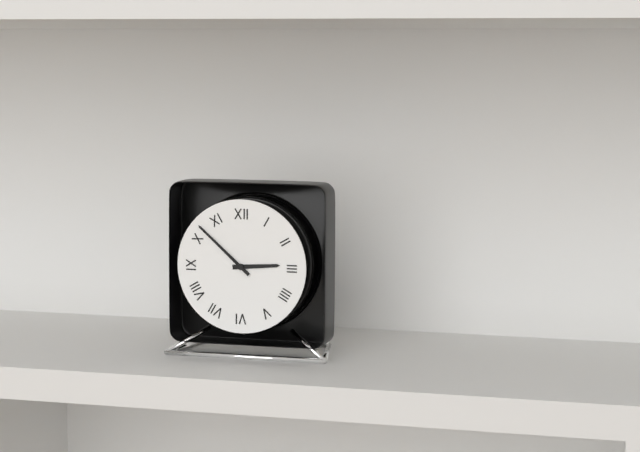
2:52
